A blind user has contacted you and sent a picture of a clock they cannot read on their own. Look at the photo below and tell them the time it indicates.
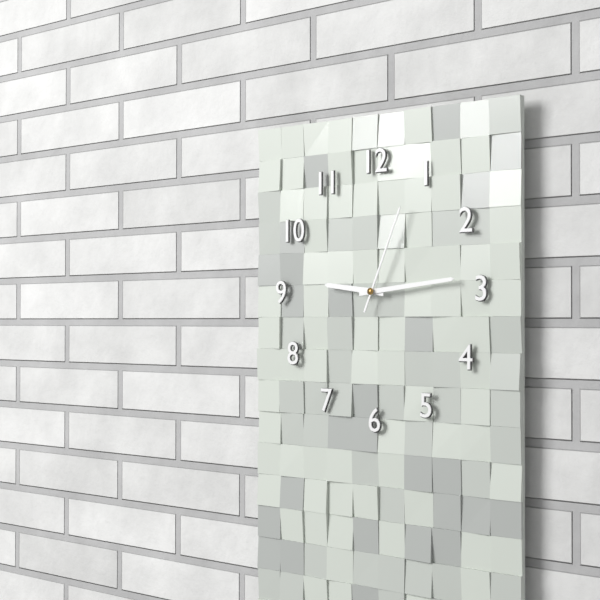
9:14:04
